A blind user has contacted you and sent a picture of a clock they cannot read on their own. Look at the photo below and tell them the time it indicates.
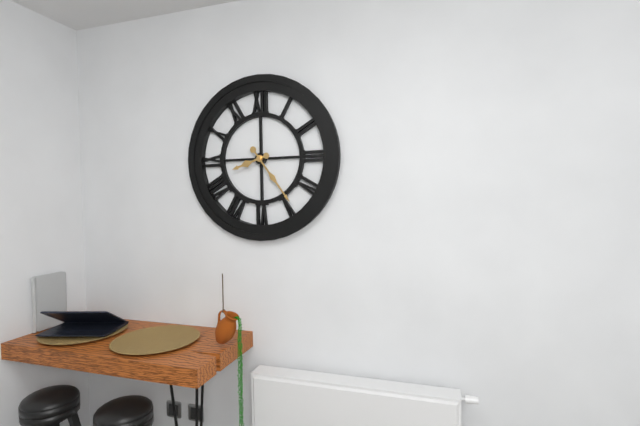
8:24
